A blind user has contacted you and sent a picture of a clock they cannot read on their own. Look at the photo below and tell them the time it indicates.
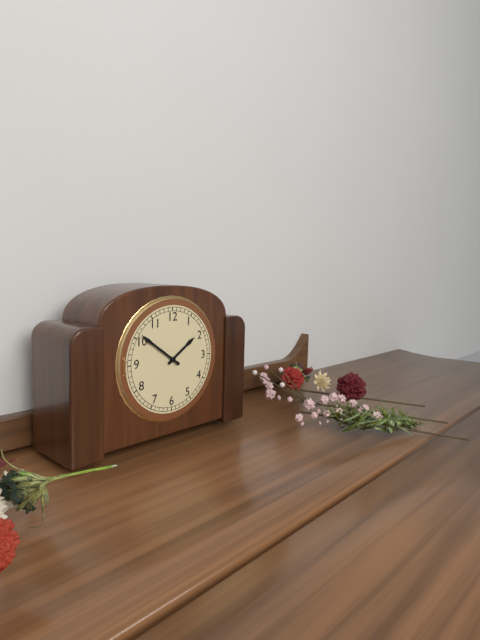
1:51
